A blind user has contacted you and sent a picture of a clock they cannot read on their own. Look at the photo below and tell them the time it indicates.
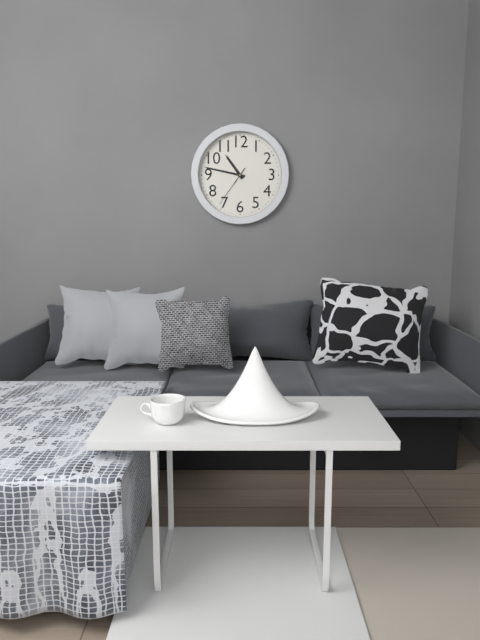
10:47
